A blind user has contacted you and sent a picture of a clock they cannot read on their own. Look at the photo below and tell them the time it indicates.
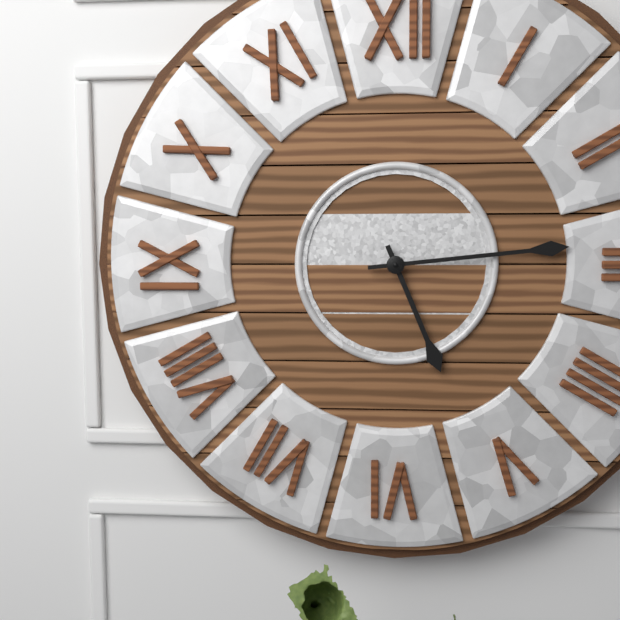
5:14
